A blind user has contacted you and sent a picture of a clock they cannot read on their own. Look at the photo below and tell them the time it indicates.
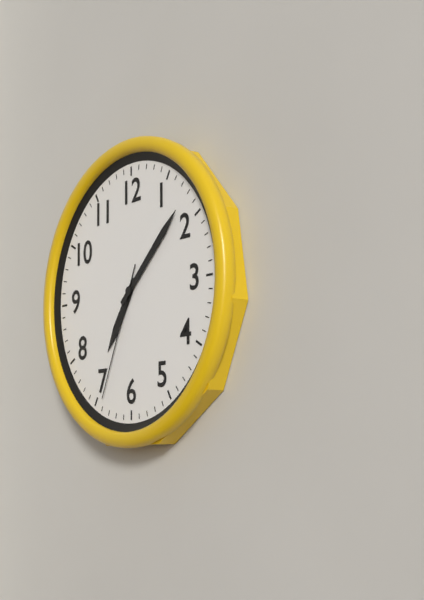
7:08:34
